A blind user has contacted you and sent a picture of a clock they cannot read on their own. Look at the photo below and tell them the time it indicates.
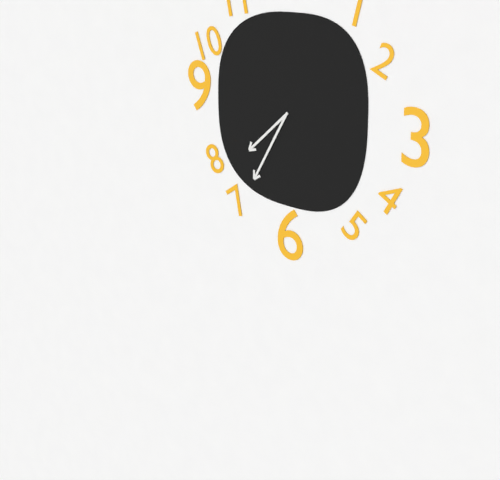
7:35
